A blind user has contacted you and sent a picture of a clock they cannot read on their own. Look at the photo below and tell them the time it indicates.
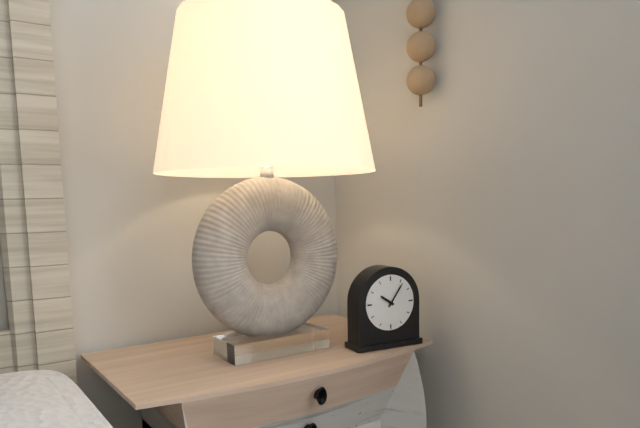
10:06
